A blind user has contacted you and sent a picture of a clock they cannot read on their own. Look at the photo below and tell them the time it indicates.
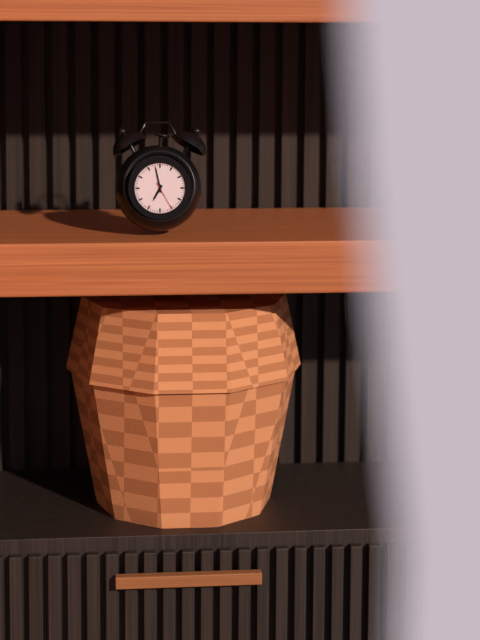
6:58
